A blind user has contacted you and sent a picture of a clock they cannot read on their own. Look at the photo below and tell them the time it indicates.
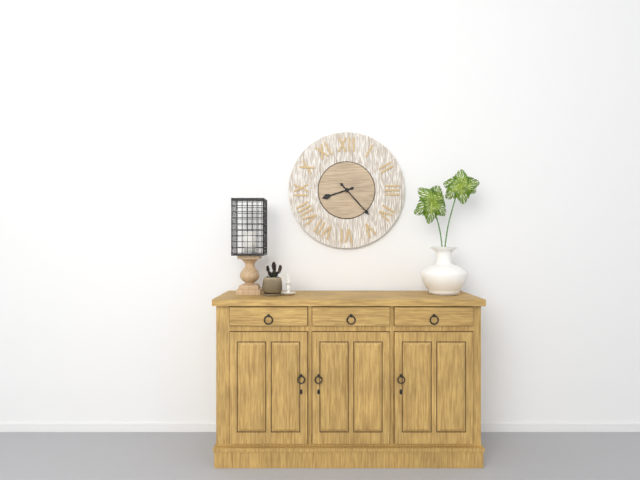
8:23
